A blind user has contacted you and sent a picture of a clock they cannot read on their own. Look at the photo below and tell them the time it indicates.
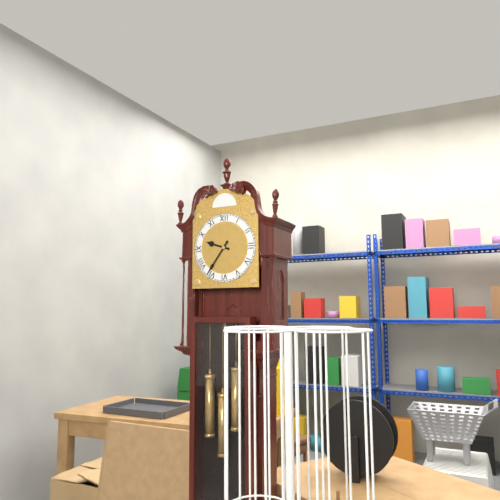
9:36
